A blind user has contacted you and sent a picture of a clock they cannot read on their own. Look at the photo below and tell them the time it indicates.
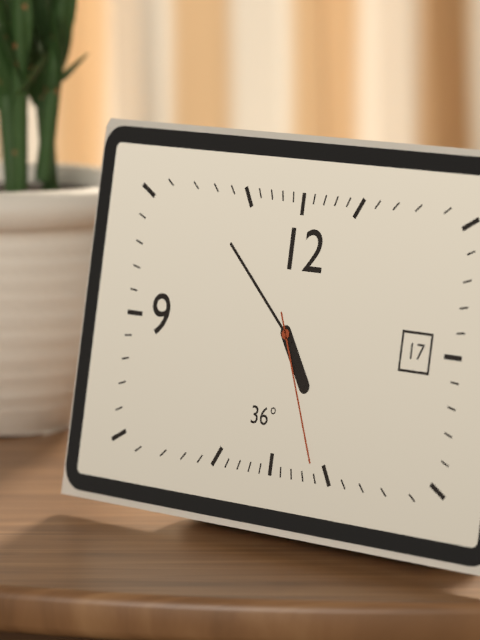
4:52:26
